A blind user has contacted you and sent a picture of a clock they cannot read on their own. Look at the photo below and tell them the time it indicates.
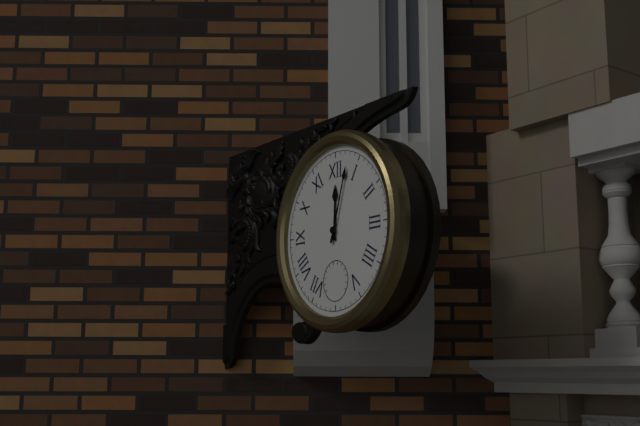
12:03
